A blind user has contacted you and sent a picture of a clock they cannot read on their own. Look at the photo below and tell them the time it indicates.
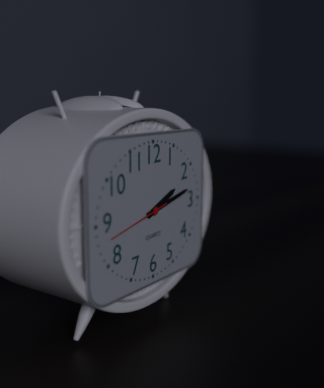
2:13:43
